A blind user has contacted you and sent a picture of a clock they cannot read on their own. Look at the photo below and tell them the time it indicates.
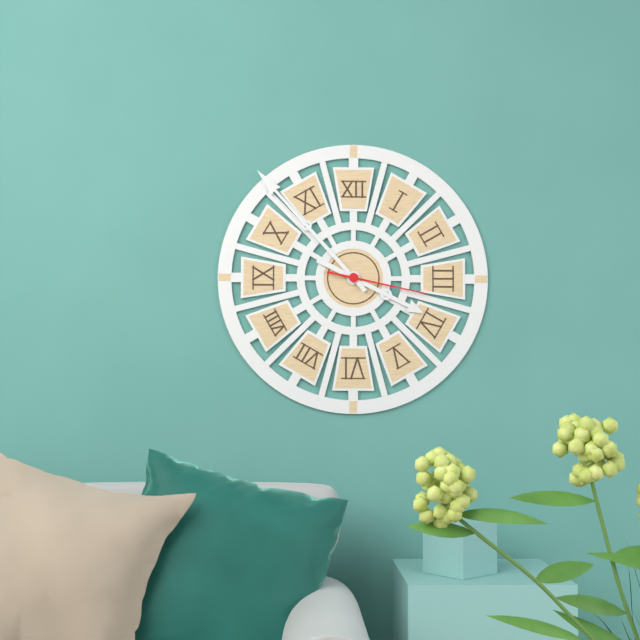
3:53:17
